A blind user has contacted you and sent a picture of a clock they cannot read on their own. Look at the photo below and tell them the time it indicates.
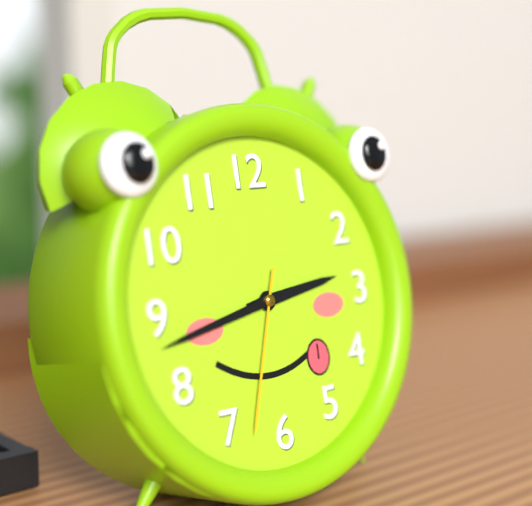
2:43:33
